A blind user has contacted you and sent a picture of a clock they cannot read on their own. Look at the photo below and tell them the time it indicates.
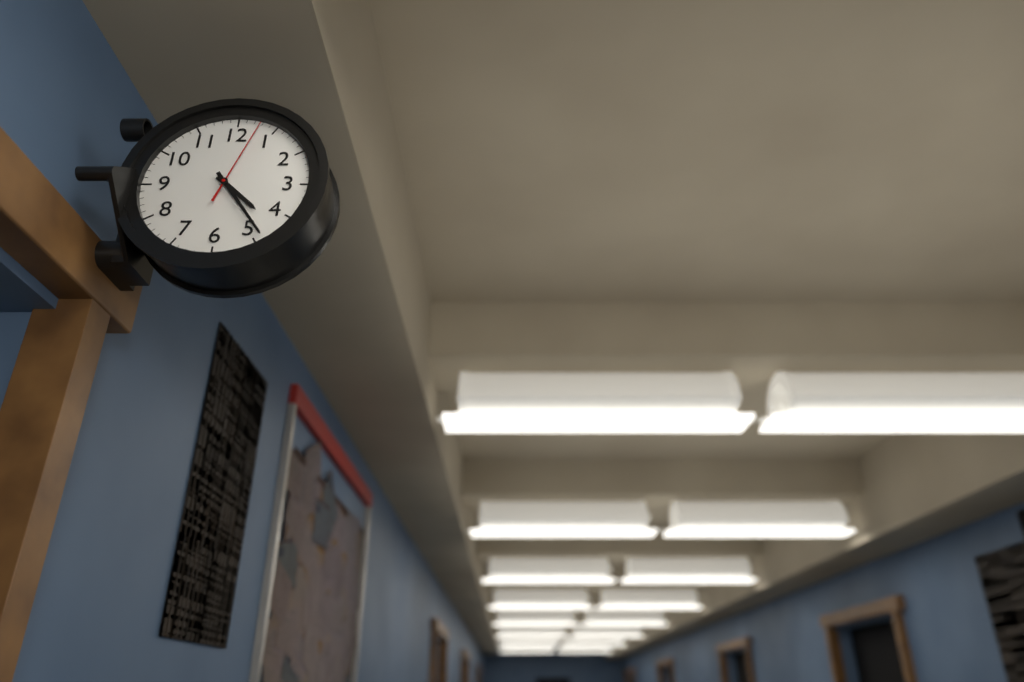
4:24:03
